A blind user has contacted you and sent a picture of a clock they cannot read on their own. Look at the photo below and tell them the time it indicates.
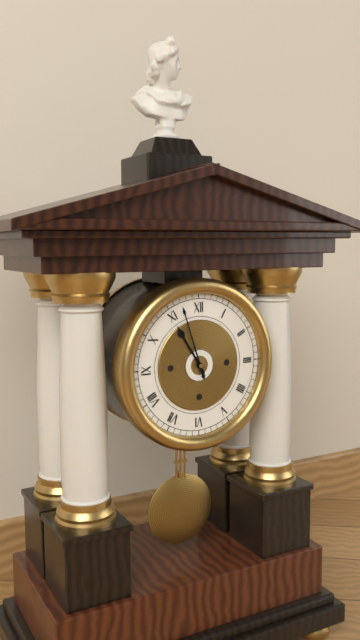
10:57
